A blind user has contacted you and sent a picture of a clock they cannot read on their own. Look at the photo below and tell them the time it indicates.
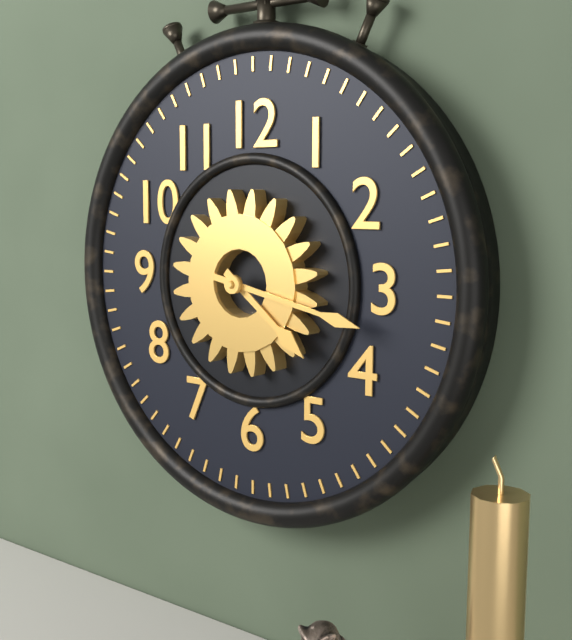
4:17
